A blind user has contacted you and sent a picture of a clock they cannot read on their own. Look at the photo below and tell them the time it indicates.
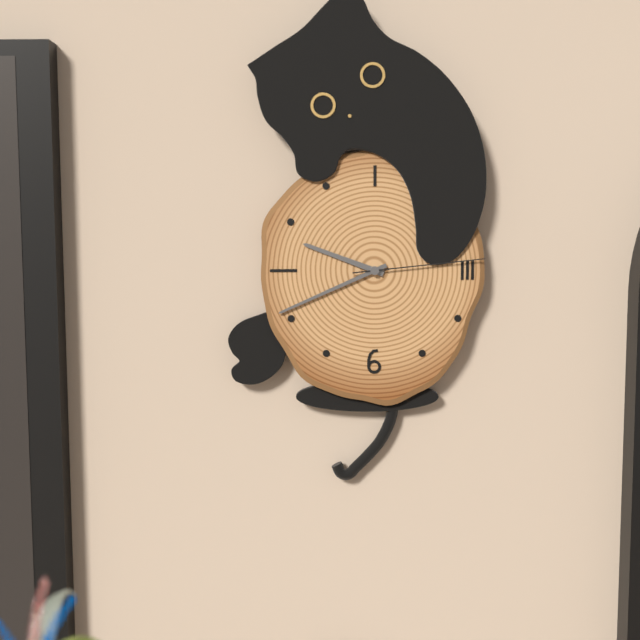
9:41:14
